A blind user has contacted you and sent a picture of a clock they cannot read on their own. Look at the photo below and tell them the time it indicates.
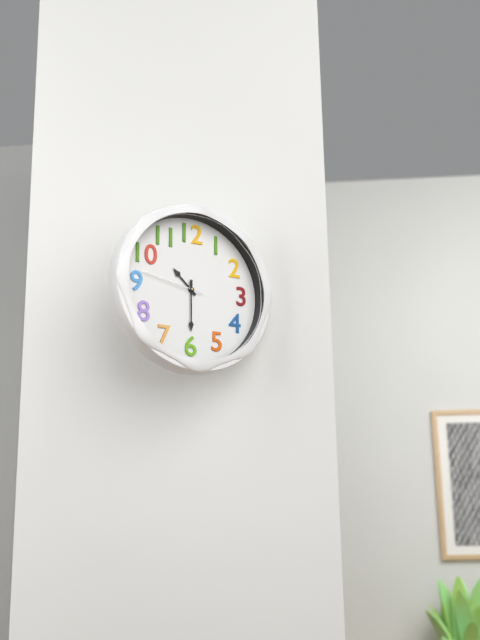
10:30:47
